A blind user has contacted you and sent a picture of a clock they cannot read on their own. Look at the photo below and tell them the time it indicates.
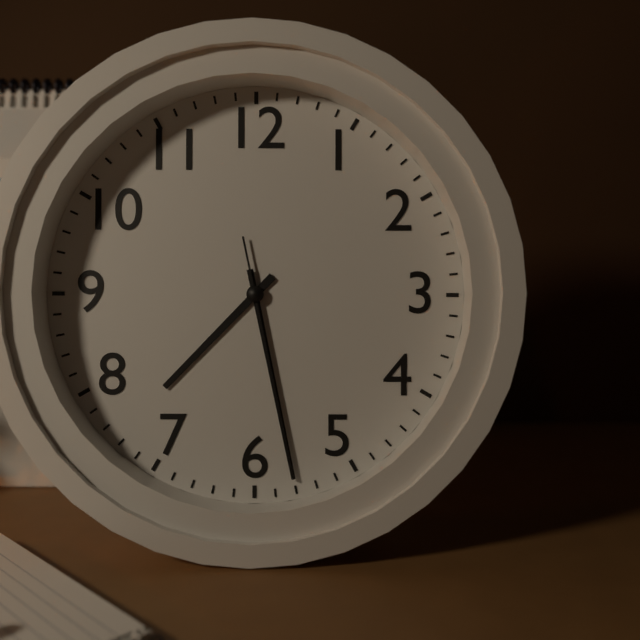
7:28:28
